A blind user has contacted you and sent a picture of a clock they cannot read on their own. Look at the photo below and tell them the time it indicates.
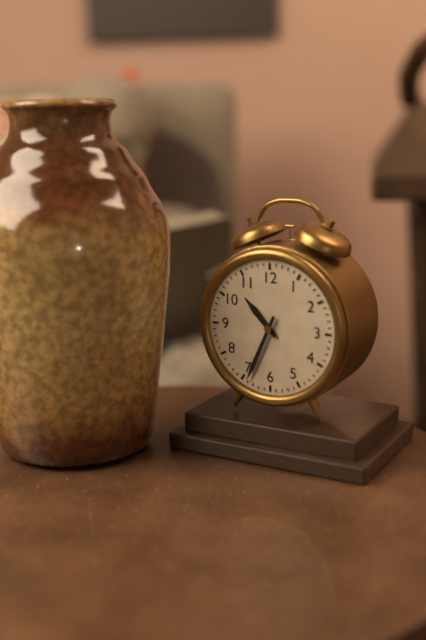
10:34
